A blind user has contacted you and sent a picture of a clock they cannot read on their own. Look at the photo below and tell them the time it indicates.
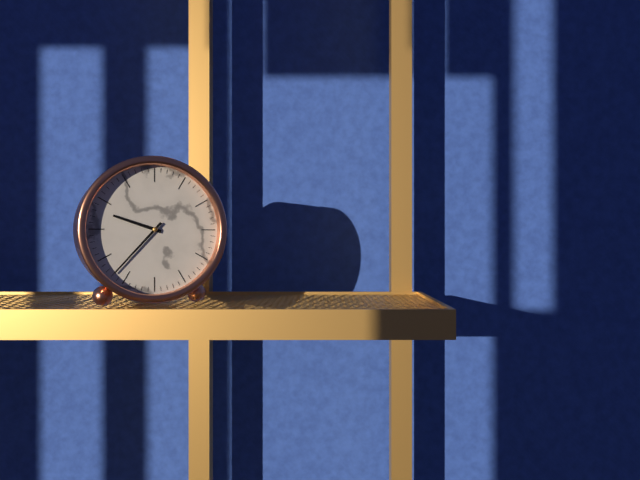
9:37
